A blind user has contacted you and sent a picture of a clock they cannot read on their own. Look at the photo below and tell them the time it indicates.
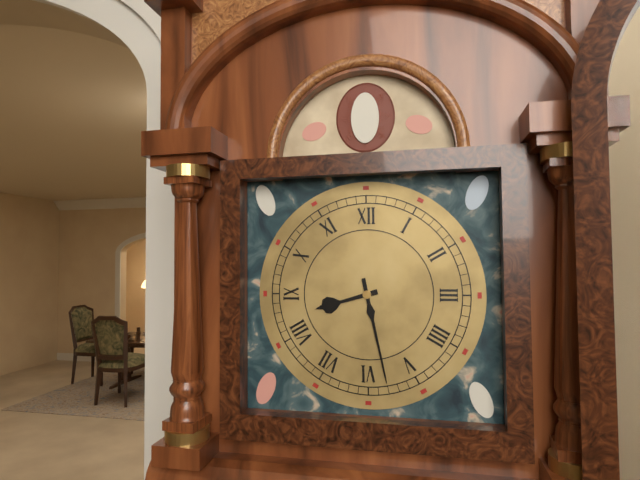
8:28
